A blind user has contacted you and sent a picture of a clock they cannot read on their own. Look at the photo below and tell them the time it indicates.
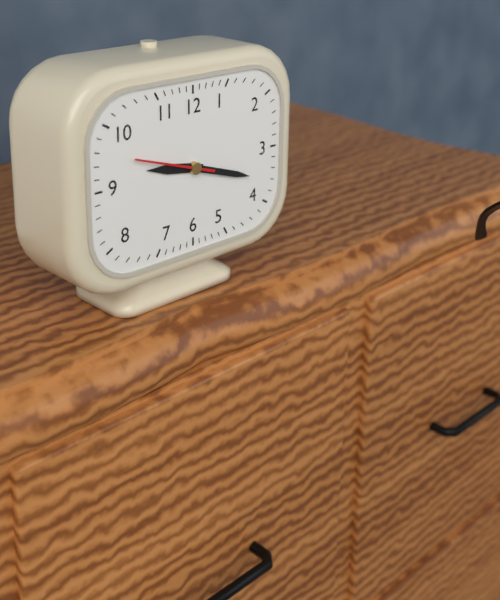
9:18:48
